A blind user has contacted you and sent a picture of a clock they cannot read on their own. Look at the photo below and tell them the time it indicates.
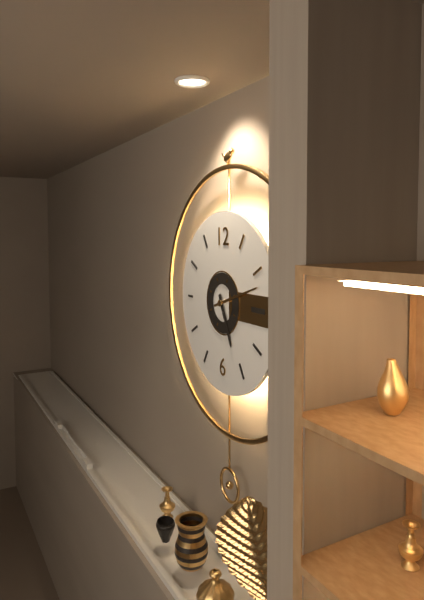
5:12
